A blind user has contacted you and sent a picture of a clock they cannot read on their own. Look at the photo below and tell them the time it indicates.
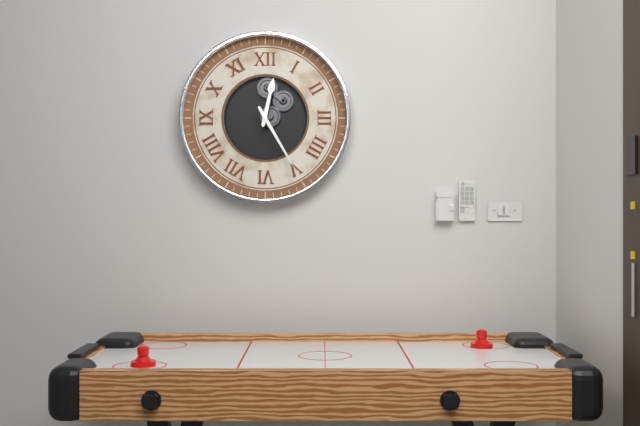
12:25
